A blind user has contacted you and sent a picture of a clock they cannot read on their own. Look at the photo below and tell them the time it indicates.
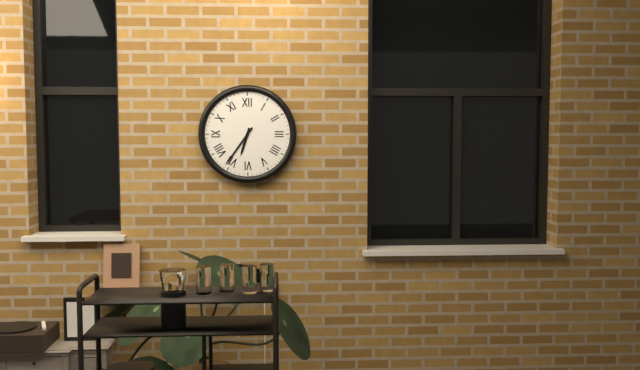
6:36
